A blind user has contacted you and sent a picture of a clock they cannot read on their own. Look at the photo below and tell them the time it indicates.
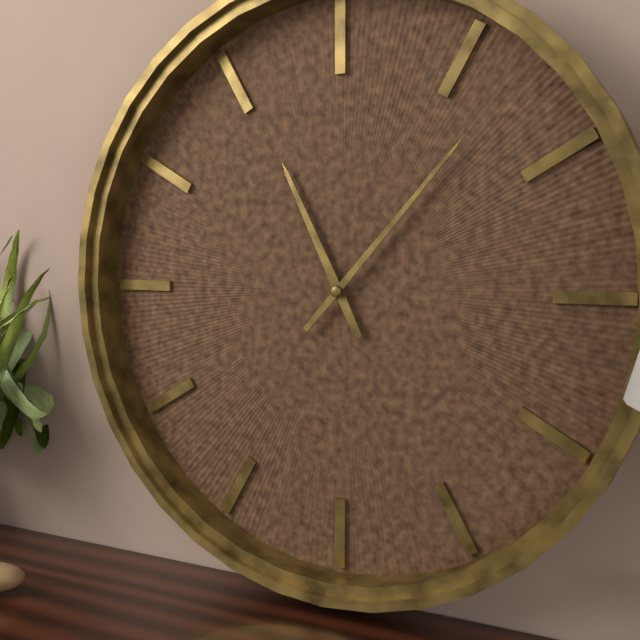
11:07
